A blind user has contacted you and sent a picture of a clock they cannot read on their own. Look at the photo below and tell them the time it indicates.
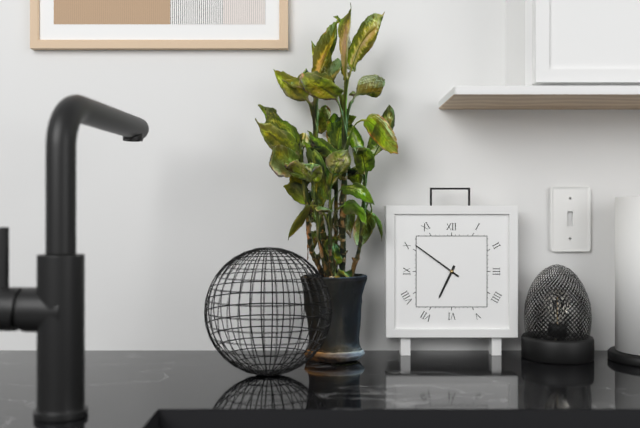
6:51
